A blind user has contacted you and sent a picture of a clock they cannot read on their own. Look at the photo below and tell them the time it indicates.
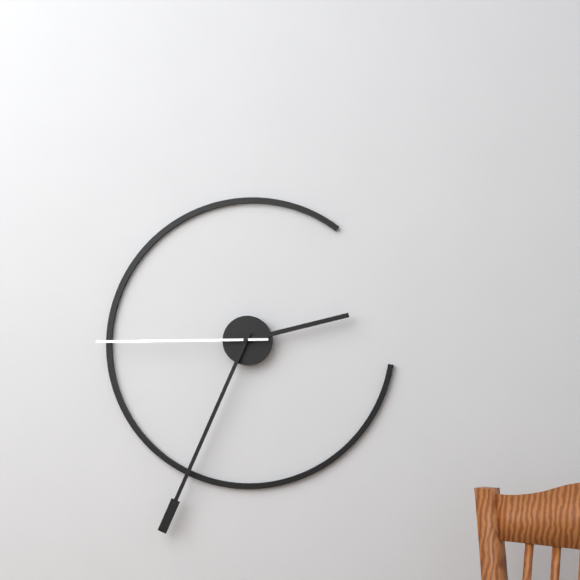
2:34:45
